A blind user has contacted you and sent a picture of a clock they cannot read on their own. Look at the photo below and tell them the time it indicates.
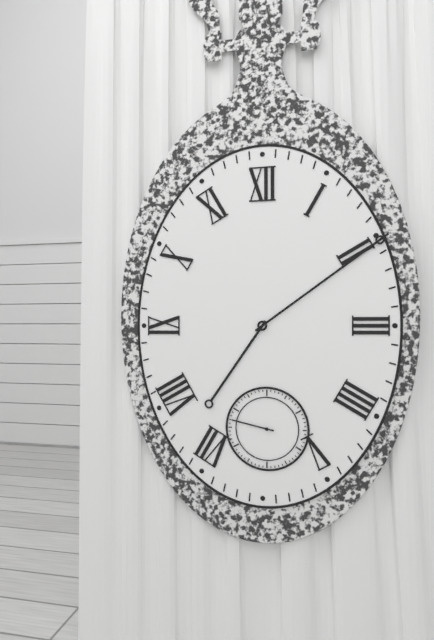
7:09
